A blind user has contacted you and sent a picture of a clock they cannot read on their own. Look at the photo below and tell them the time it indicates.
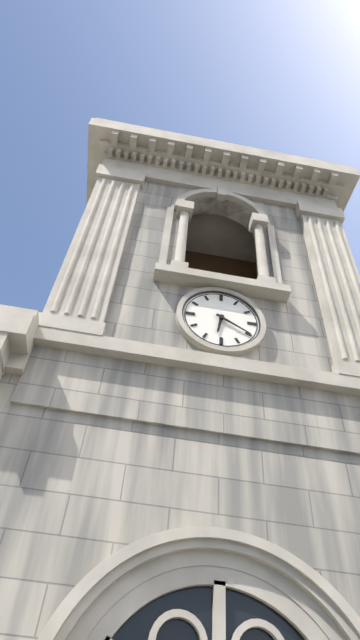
6:20
